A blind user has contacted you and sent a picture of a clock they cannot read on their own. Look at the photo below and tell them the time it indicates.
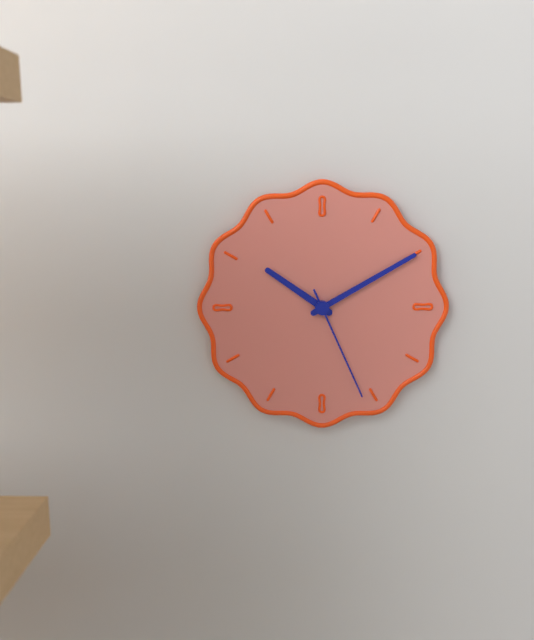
10:10:26
